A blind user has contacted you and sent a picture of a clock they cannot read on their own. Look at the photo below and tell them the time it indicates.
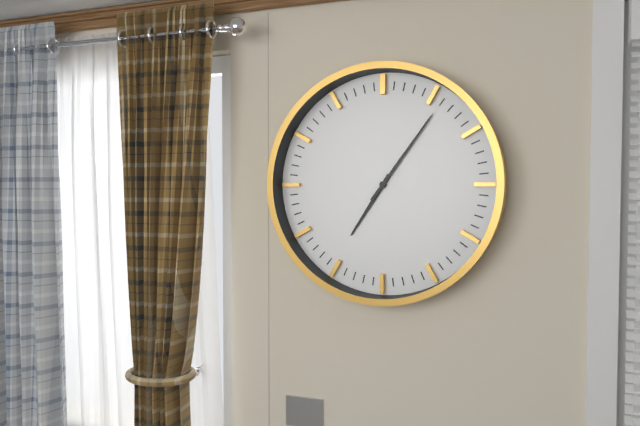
7:06
